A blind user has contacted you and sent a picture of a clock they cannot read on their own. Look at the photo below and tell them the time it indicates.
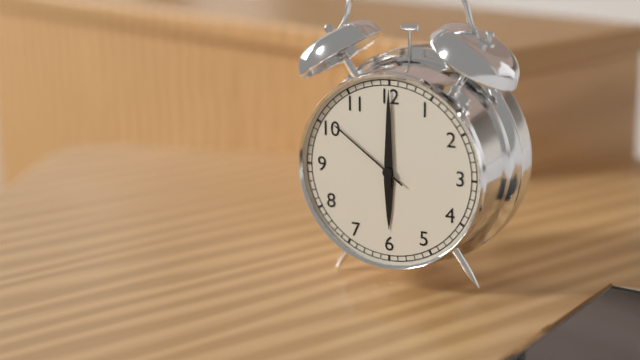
6:00:51
